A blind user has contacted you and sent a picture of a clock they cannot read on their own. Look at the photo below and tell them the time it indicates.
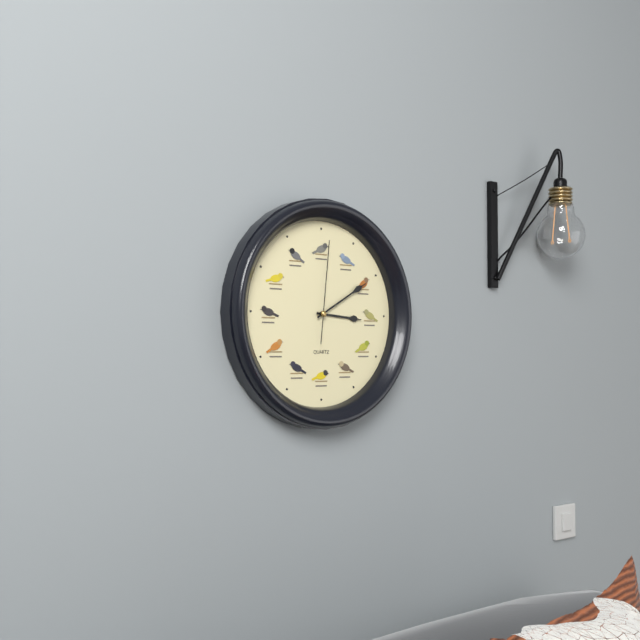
3:10:01
